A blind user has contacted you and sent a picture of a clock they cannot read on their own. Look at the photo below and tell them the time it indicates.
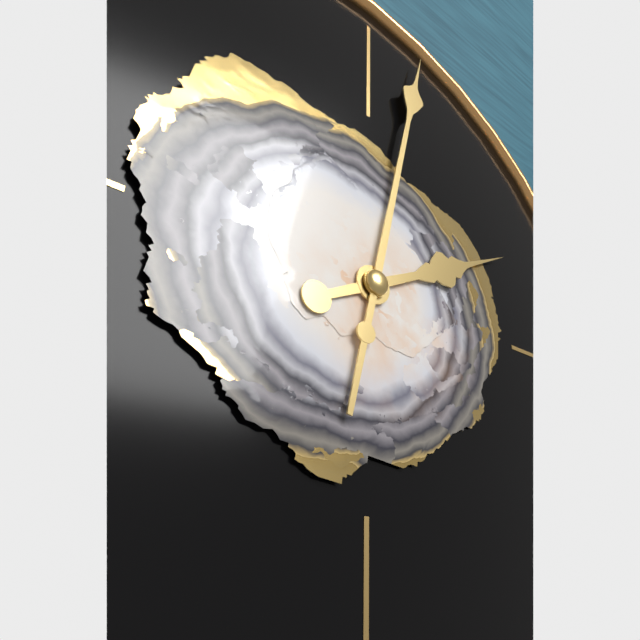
2:02
